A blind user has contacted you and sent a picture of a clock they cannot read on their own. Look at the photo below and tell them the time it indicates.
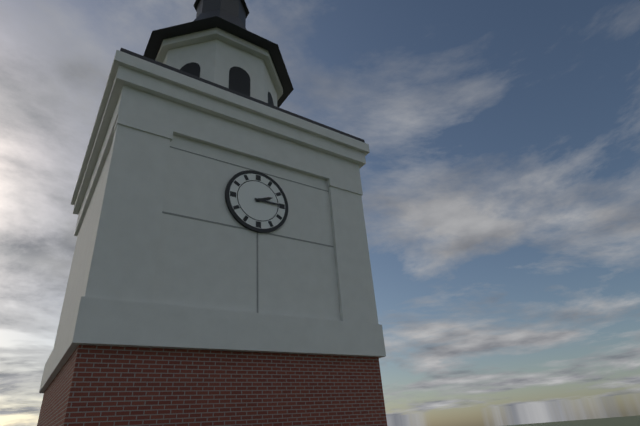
2:15
